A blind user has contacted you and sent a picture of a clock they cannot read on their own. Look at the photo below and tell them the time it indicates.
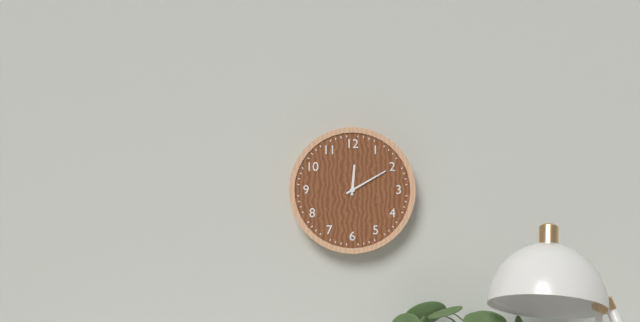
12:10
